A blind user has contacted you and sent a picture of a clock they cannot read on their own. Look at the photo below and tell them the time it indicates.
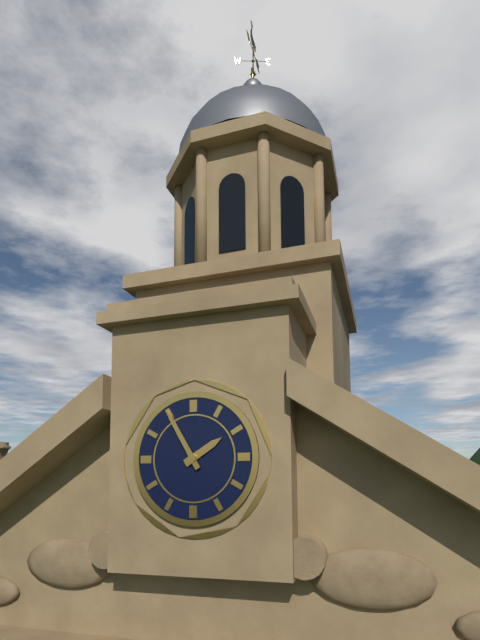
1:55
